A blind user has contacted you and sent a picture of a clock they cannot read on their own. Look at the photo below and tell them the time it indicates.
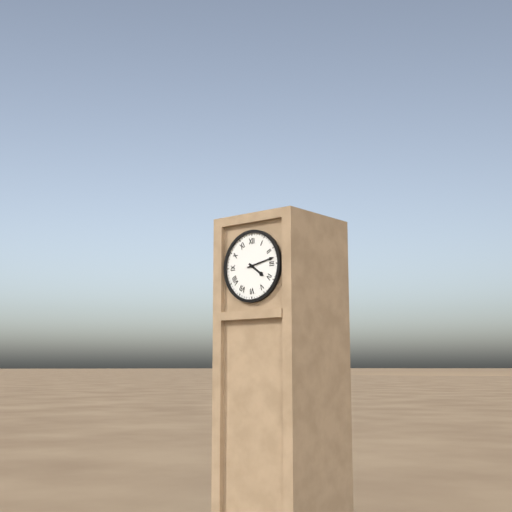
4:13
